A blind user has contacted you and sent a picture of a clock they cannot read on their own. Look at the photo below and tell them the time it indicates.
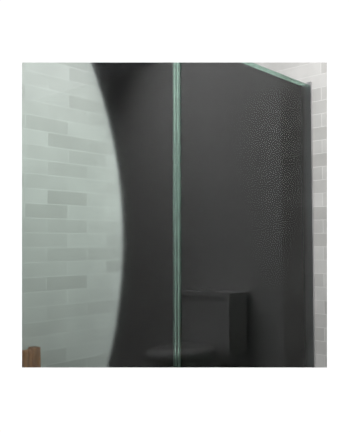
11:24
